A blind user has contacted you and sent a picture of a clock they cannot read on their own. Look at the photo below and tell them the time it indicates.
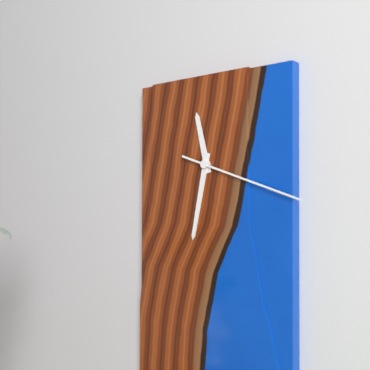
11:32:18
